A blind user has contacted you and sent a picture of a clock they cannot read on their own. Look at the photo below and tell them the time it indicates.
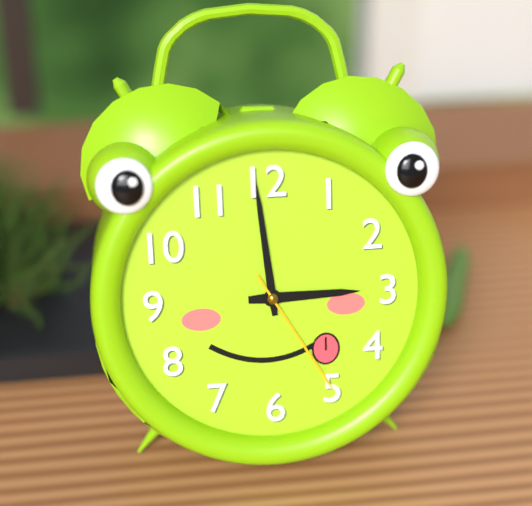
2:59:25
